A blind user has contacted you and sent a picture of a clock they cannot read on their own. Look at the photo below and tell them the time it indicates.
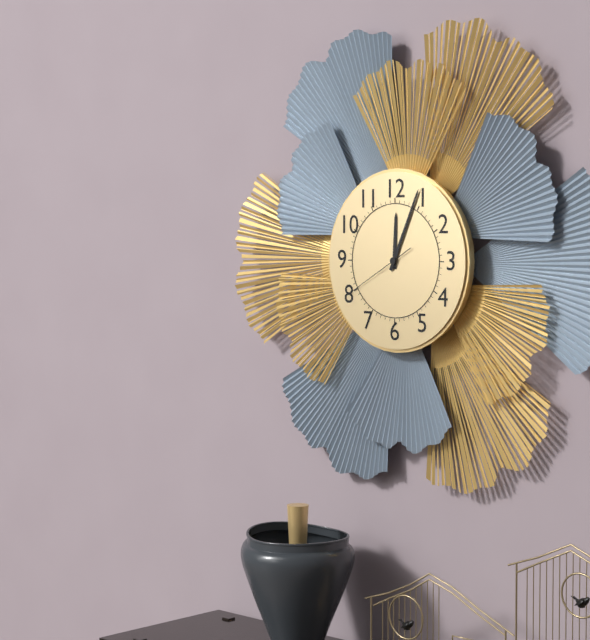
12:04:40
